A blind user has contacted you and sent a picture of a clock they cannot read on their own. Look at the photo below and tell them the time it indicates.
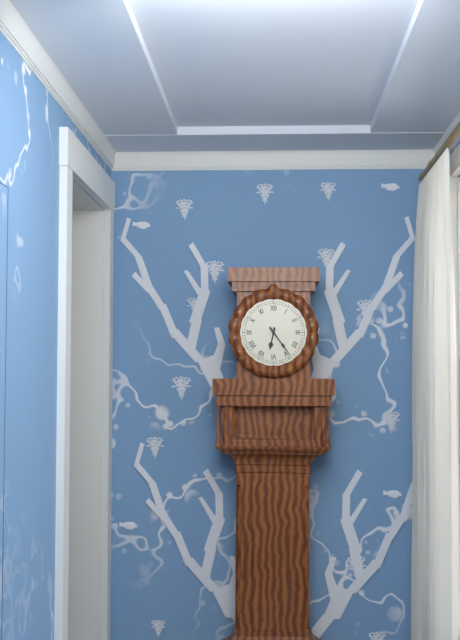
6:24
